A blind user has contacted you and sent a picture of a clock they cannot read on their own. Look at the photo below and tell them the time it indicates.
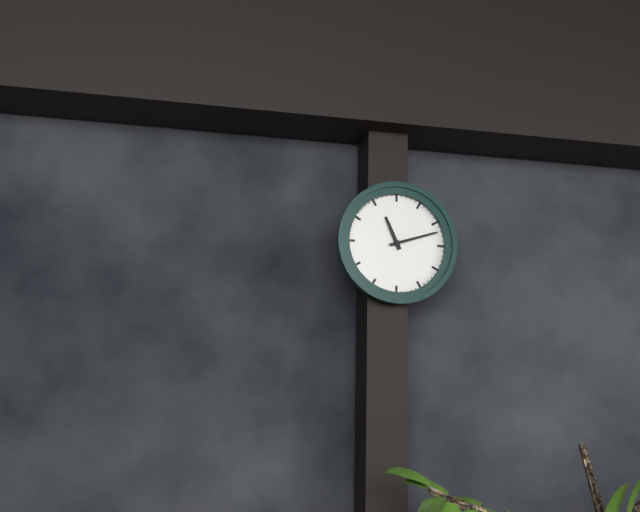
11:12
